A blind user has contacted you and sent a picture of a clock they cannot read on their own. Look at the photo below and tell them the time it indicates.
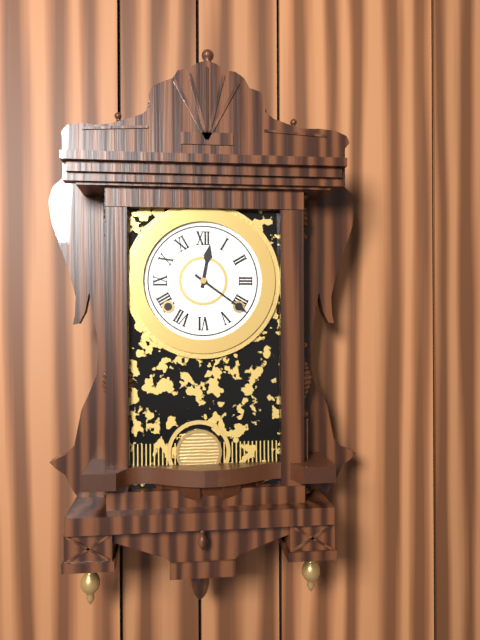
12:21
